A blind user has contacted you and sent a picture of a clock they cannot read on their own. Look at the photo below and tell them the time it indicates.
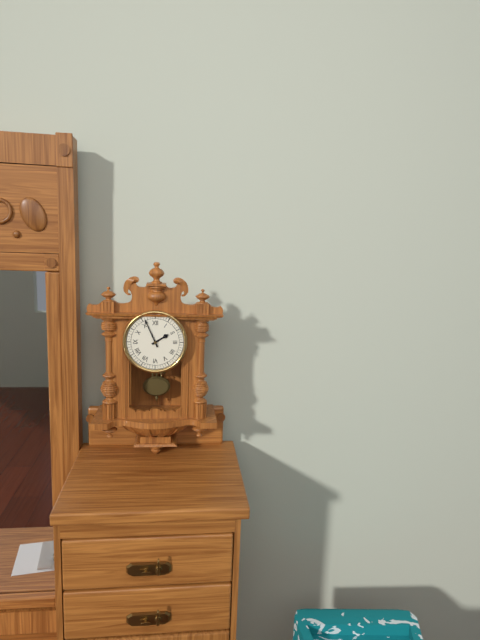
1:56
